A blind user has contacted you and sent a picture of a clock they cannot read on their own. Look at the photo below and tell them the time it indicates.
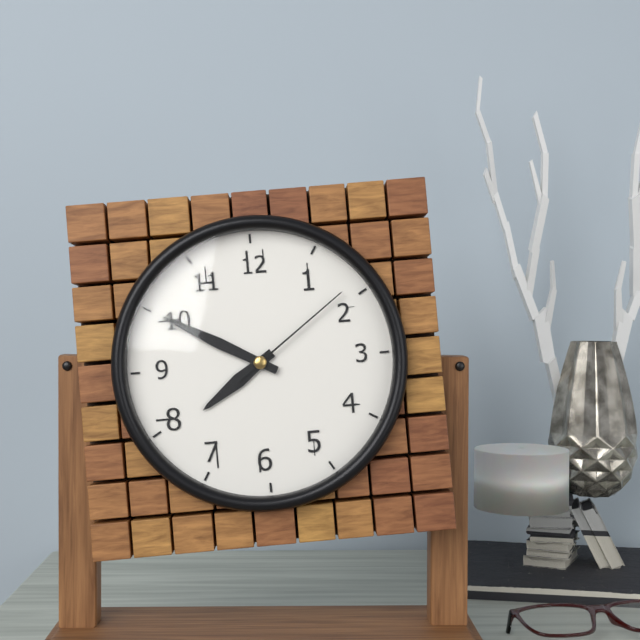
7:50:09
